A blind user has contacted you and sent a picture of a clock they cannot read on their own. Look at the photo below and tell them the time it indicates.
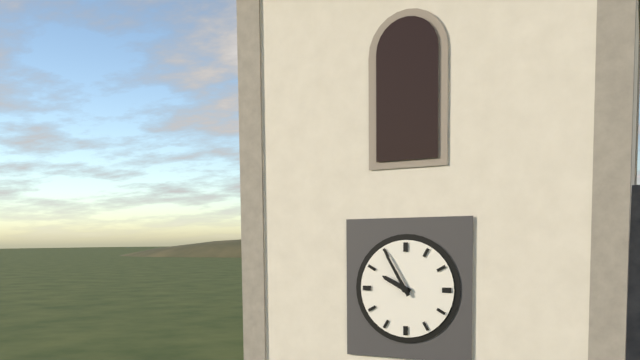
9:55
